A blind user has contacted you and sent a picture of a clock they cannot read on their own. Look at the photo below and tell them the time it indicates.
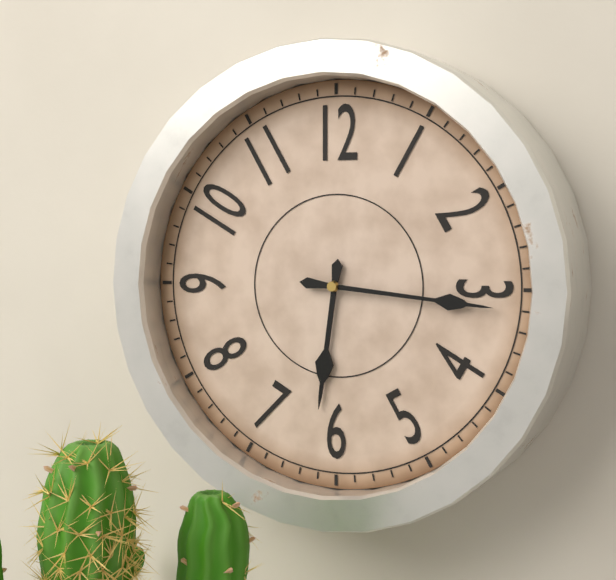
6:16
